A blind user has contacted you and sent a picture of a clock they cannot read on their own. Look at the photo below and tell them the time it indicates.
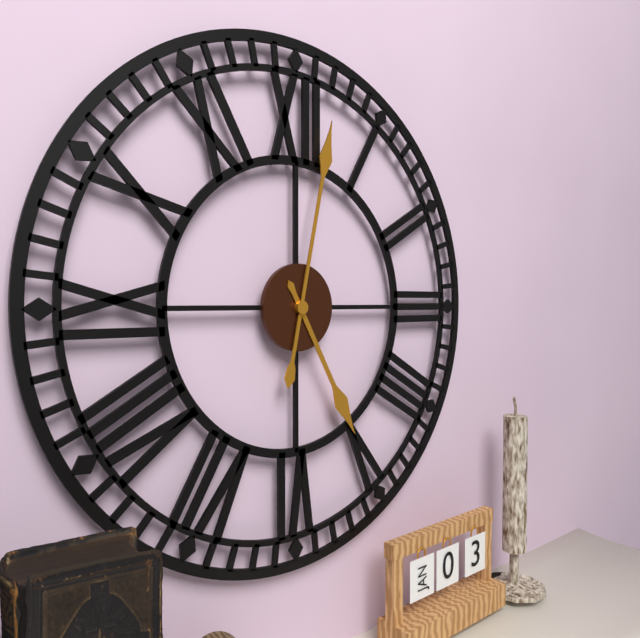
5:02
